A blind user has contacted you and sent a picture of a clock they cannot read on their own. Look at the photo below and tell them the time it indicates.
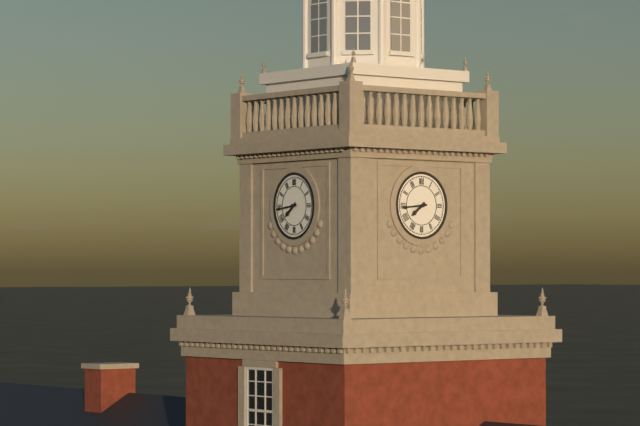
7:44
